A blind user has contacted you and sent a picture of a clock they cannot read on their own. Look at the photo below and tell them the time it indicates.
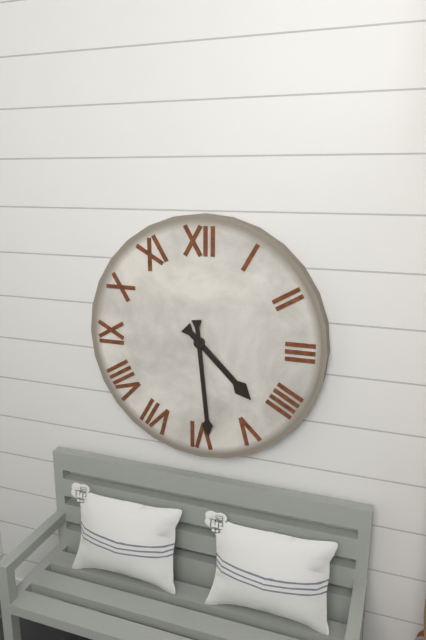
4:29
